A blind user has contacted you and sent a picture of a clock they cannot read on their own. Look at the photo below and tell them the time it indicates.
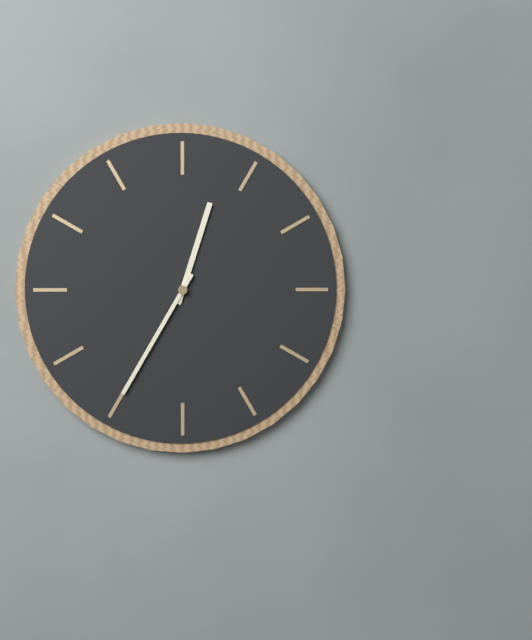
12:35
